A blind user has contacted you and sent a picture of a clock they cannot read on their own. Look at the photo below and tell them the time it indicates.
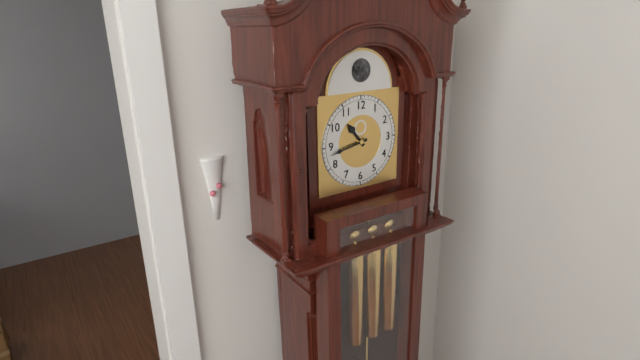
10:43
